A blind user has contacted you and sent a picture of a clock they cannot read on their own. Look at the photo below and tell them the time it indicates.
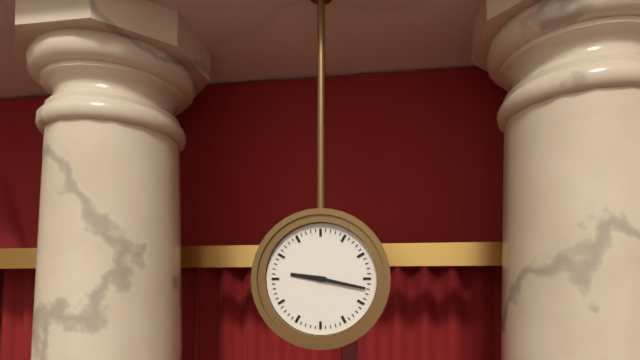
9:17
